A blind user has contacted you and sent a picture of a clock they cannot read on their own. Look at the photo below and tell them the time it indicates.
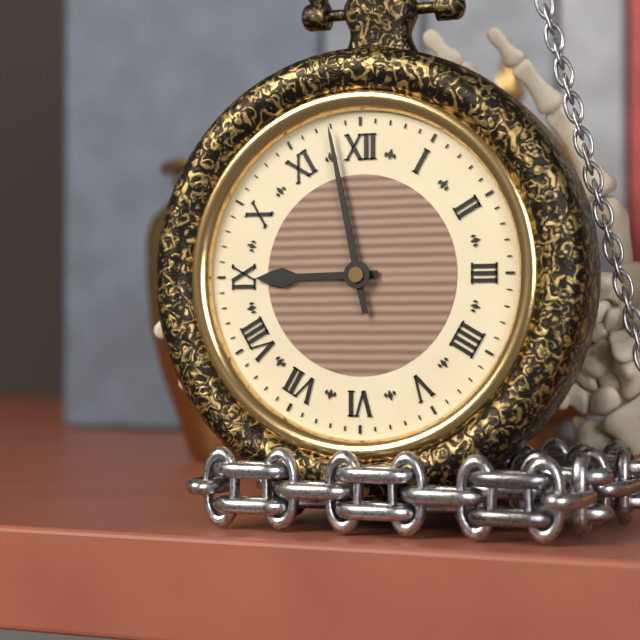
8:58
